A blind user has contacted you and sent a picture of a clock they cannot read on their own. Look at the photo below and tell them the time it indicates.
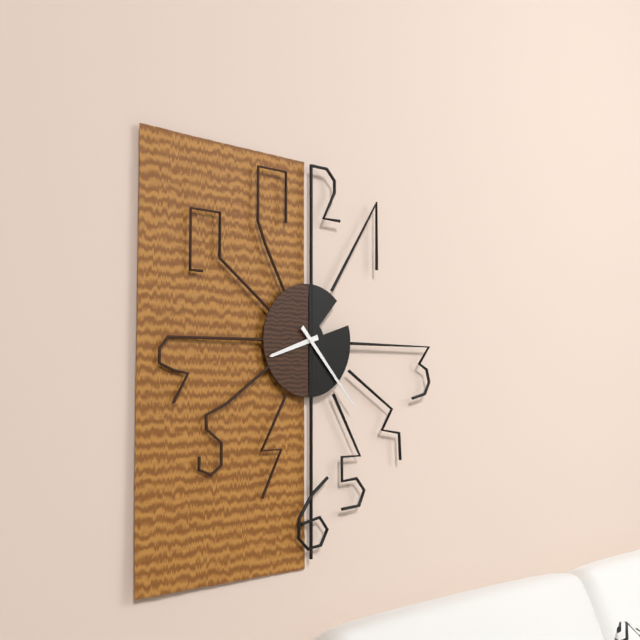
8:23
